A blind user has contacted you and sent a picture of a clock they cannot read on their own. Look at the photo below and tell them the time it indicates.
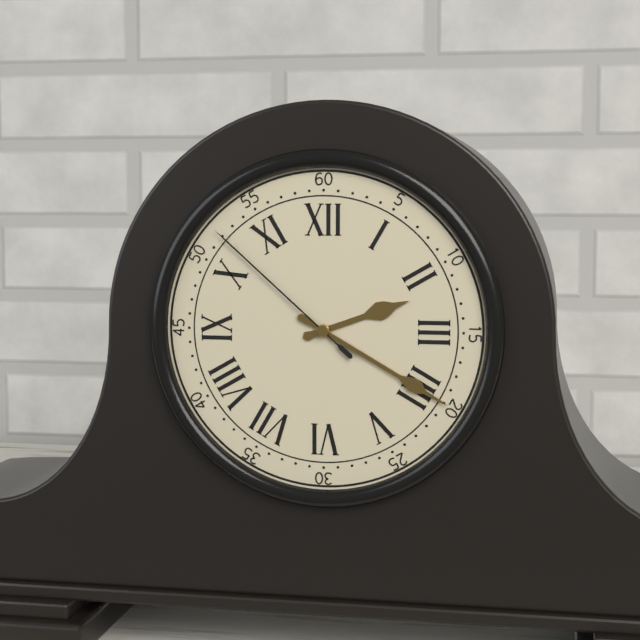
2:20:52
